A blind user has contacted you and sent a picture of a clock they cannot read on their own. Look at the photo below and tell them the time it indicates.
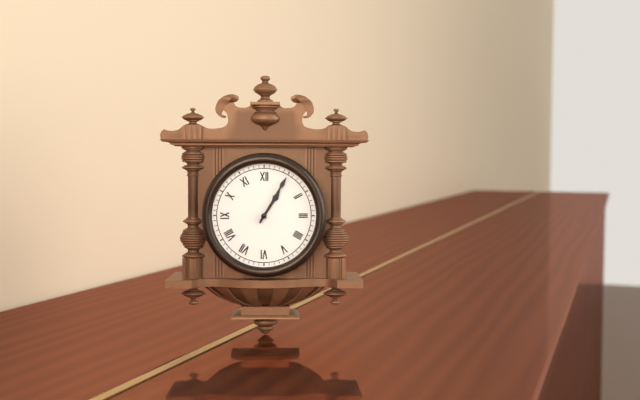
1:05
